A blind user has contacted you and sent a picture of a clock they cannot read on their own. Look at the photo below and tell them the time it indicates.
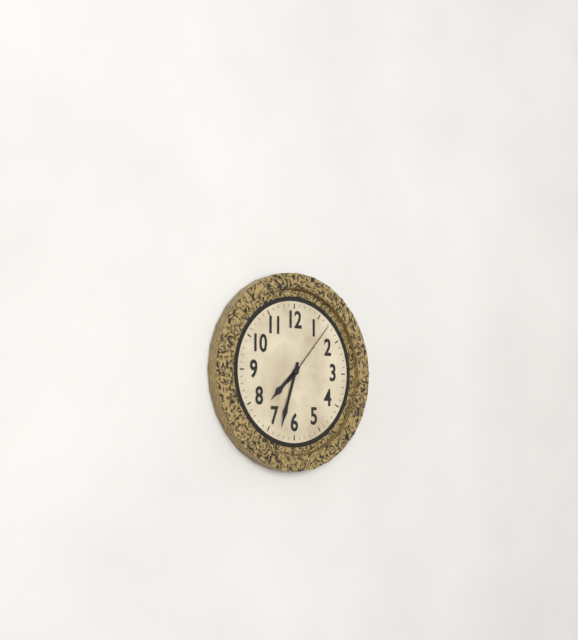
7:33:07
